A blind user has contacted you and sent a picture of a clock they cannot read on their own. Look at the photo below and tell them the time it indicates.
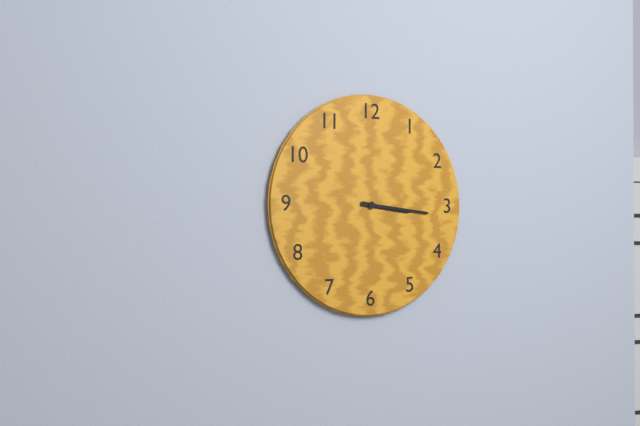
3:16
